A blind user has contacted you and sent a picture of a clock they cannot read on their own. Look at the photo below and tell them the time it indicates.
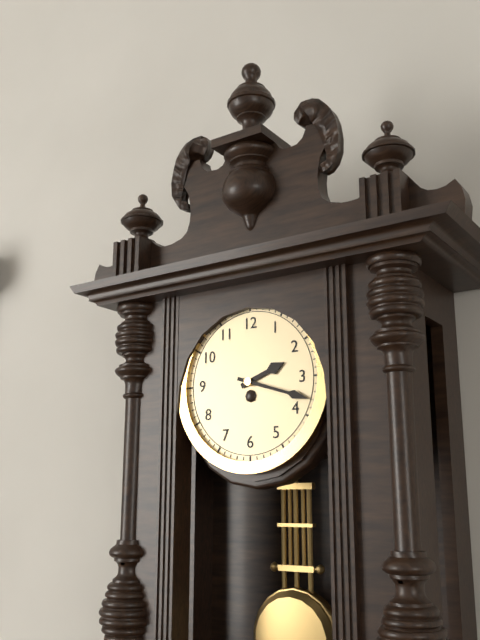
2:18
